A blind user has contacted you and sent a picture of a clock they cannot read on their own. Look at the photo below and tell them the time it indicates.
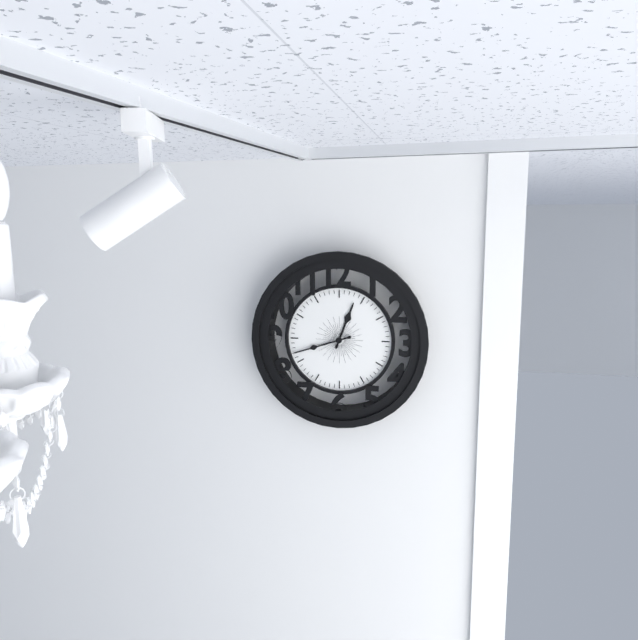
12:42
